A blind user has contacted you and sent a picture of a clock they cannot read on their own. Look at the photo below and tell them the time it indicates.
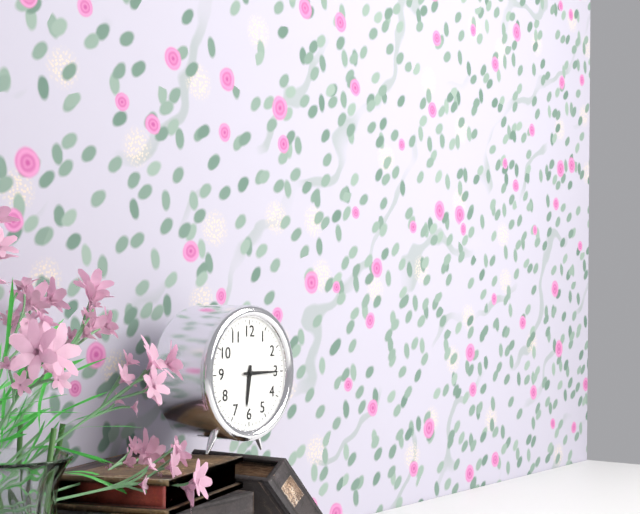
6:15
